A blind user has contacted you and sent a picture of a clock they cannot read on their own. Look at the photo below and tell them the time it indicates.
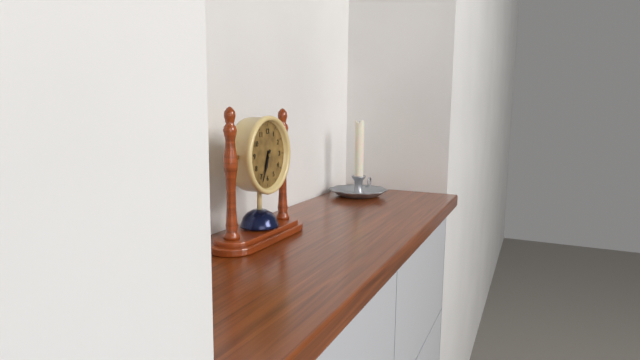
6:34
